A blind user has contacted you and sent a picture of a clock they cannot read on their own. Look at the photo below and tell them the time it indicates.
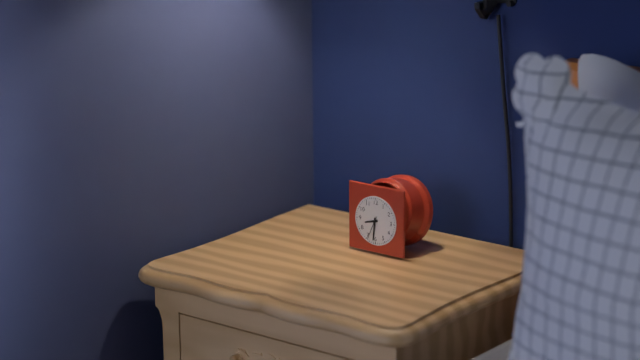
8:31
